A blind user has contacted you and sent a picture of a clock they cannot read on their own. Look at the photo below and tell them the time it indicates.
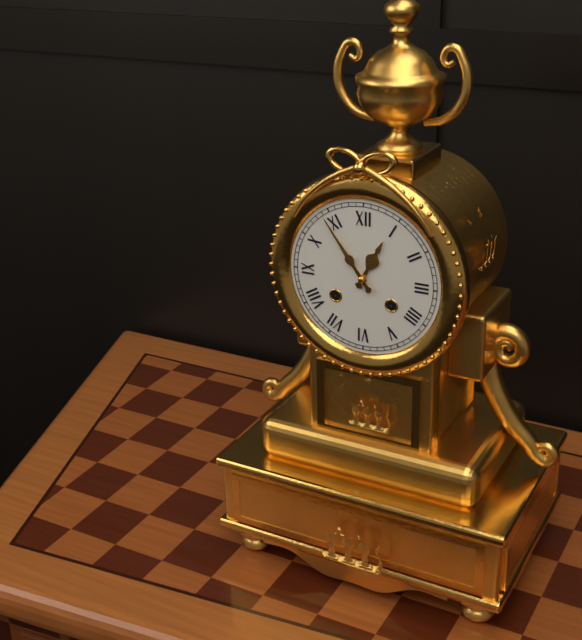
12:54
